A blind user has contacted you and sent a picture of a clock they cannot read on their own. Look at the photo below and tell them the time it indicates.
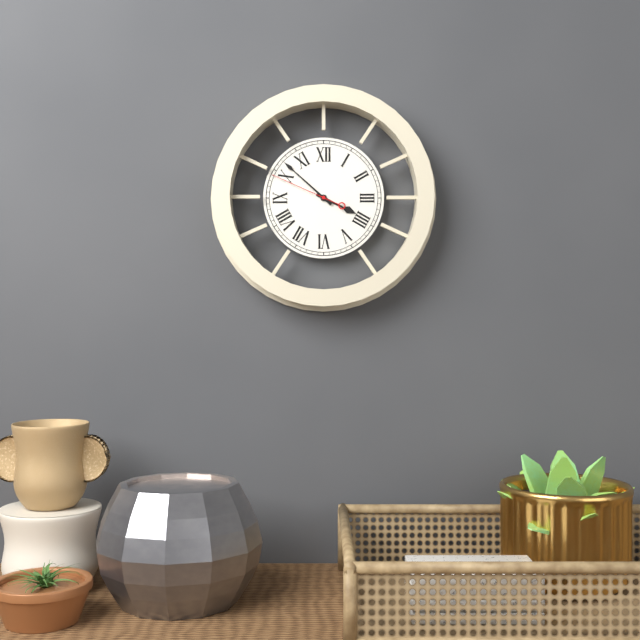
3:52:49
